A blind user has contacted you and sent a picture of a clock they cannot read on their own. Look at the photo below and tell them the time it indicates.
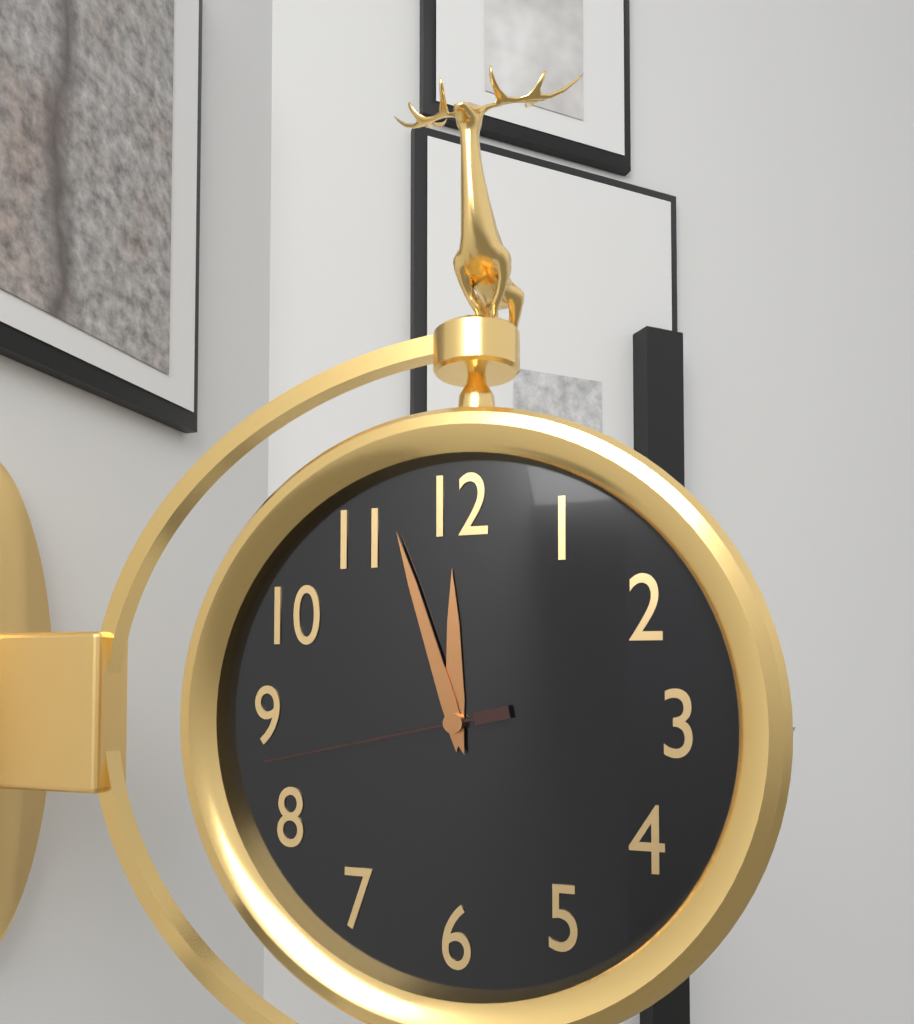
11:57:43
